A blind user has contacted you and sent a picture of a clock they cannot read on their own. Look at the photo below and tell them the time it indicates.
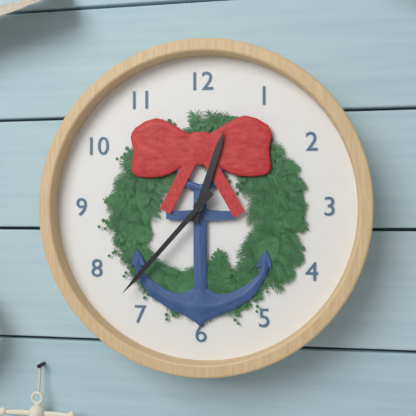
12:37
